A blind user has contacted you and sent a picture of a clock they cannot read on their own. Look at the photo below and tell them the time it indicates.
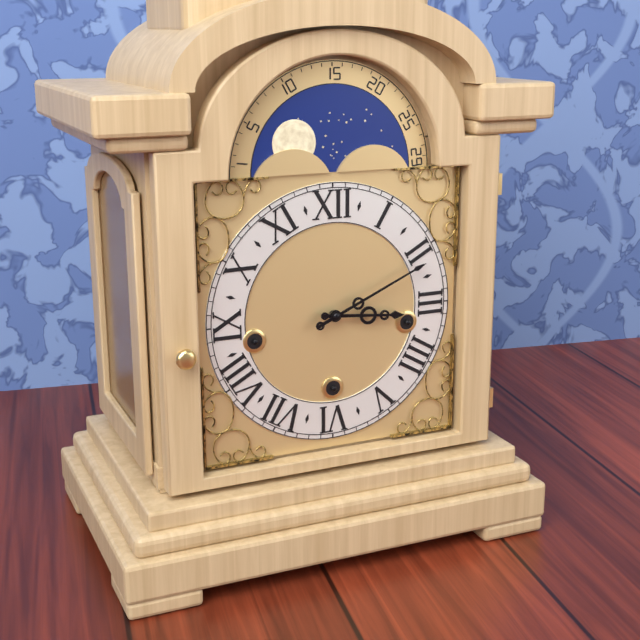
3:11
